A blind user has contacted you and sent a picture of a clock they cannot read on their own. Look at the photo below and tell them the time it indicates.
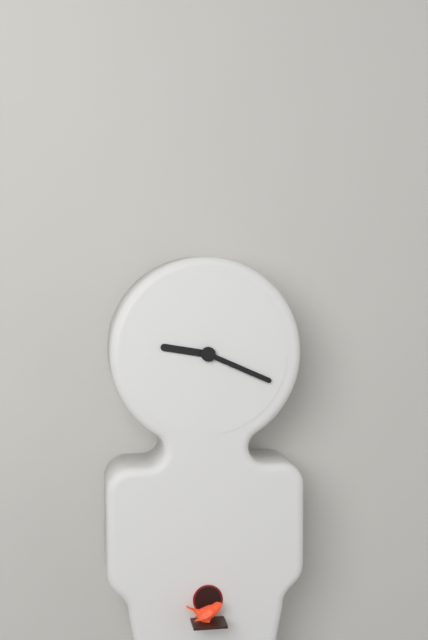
9:19
